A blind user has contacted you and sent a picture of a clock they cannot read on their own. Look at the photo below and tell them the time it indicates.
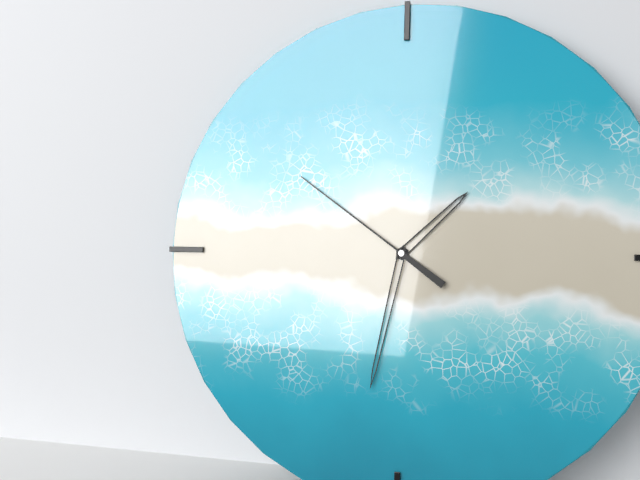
1:32:51
